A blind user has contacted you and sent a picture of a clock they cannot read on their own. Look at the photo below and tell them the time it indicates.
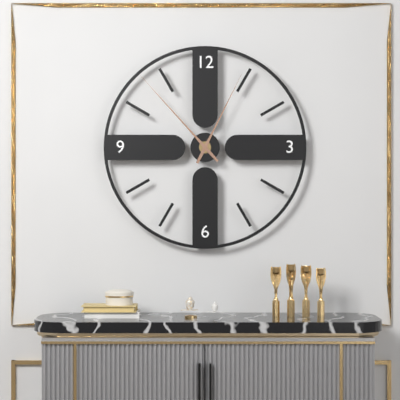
12:53
